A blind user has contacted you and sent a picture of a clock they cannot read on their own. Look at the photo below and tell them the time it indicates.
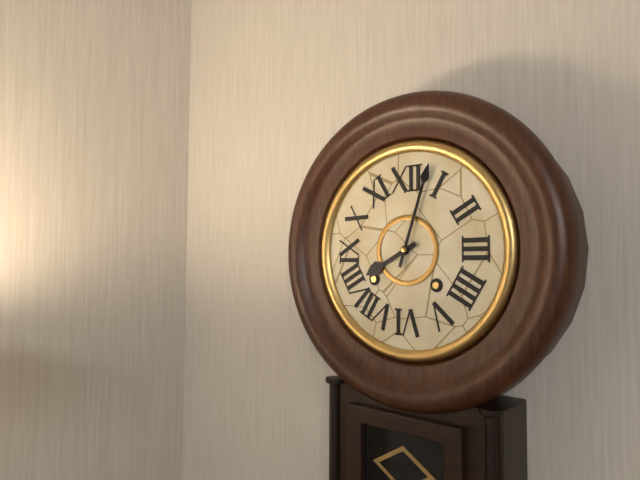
8:03
